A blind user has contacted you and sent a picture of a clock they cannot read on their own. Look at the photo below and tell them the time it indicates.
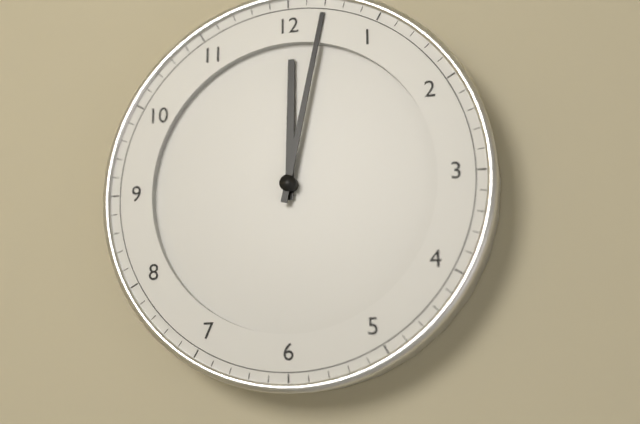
12:02
